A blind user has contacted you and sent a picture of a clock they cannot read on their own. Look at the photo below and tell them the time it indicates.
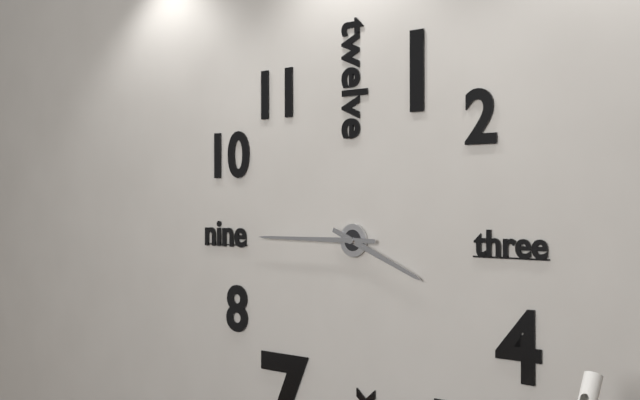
3:45
